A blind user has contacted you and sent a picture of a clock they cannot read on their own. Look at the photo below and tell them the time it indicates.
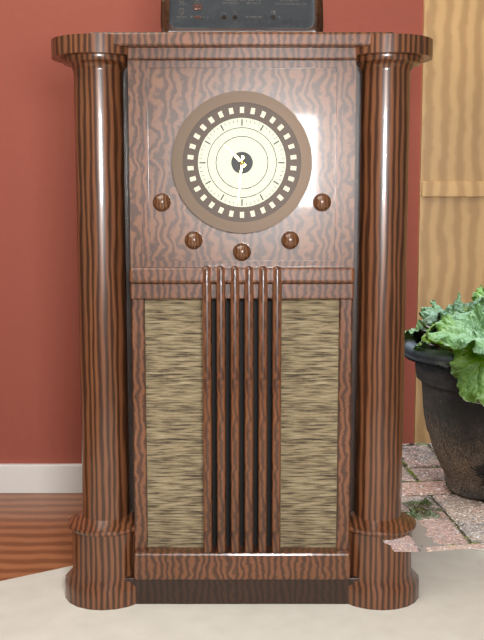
10:31
